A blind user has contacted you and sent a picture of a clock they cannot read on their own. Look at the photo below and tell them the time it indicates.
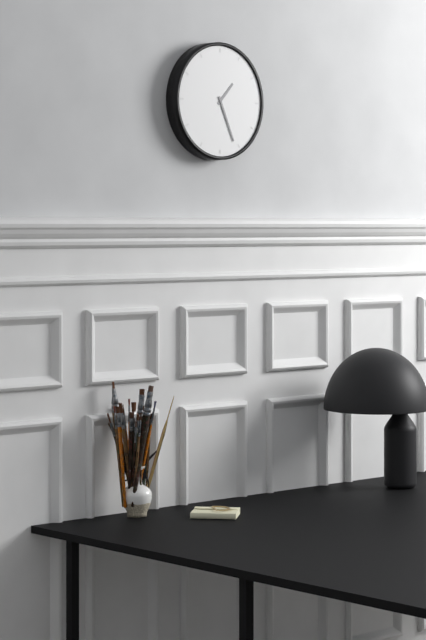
1:26
